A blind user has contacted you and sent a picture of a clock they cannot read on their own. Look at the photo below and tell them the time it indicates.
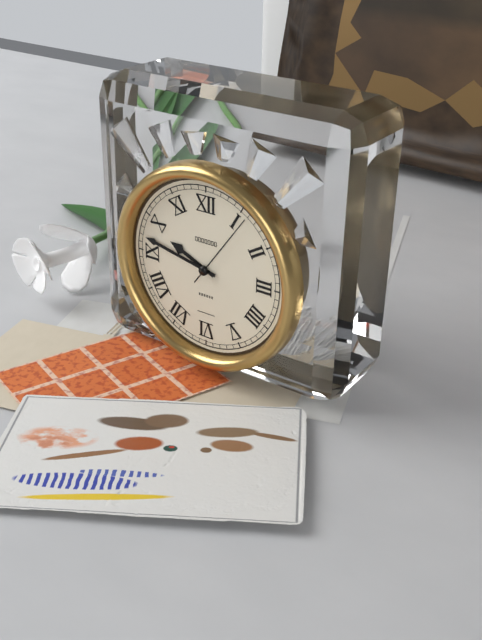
9:47:06
